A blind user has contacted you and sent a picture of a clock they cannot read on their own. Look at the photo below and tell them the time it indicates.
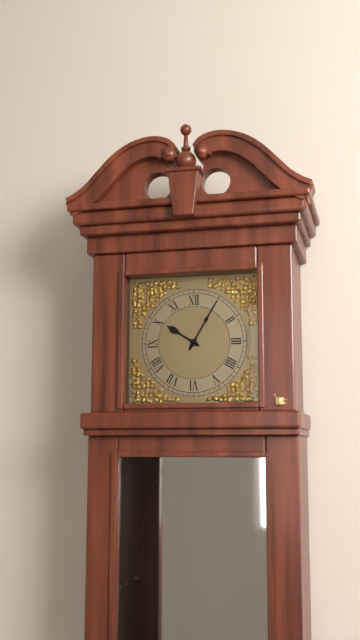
10:05
